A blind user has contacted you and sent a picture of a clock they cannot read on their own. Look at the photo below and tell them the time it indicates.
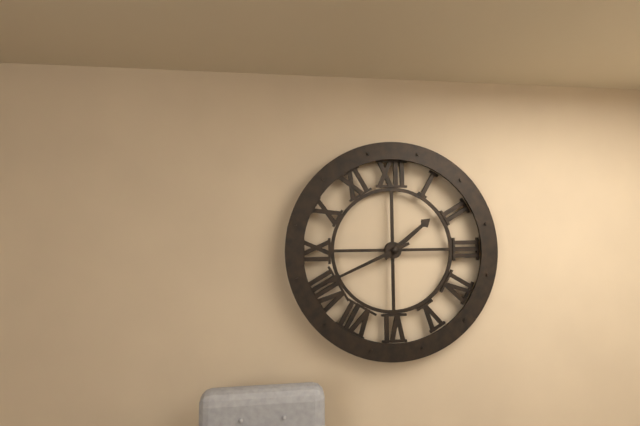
1:41
